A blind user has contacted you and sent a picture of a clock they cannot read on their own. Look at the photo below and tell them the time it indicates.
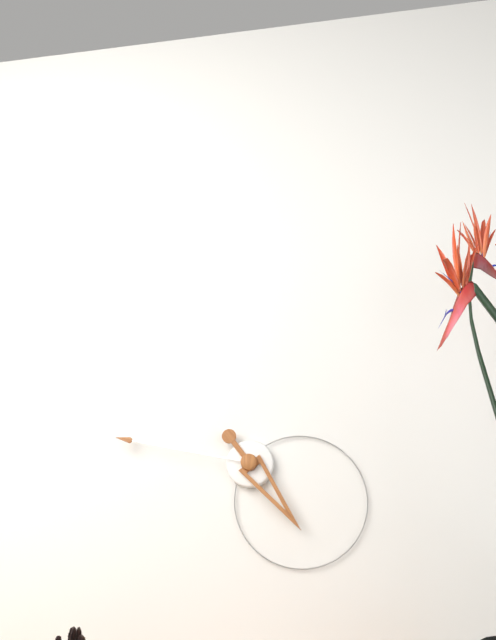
4:47
